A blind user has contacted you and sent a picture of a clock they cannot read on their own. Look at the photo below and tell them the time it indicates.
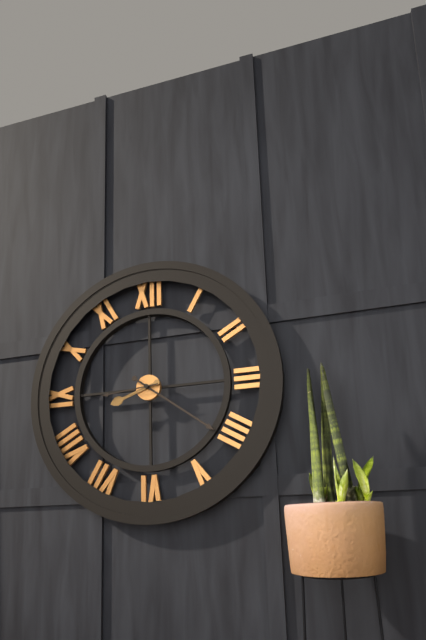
8:21:44
